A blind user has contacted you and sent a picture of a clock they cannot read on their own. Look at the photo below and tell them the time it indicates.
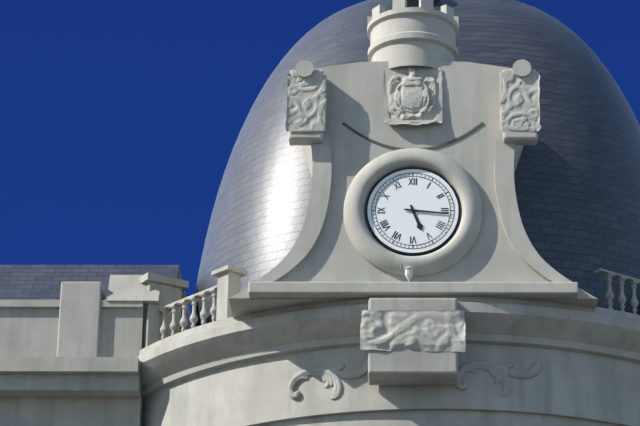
5:16
